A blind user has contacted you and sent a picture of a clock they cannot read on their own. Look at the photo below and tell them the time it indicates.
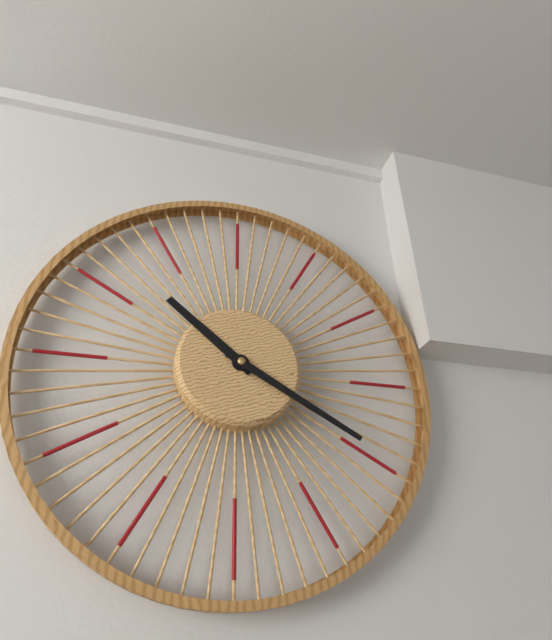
10:20
